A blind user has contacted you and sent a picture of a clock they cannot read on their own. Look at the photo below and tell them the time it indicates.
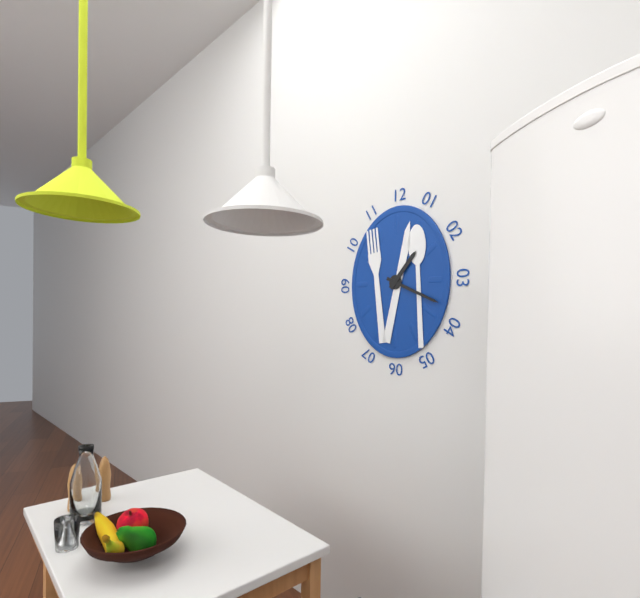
1:19
